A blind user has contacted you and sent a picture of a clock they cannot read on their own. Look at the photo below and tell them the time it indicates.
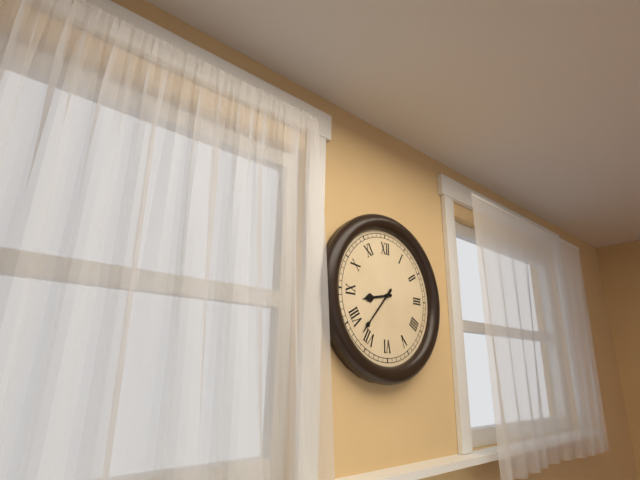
8:37
